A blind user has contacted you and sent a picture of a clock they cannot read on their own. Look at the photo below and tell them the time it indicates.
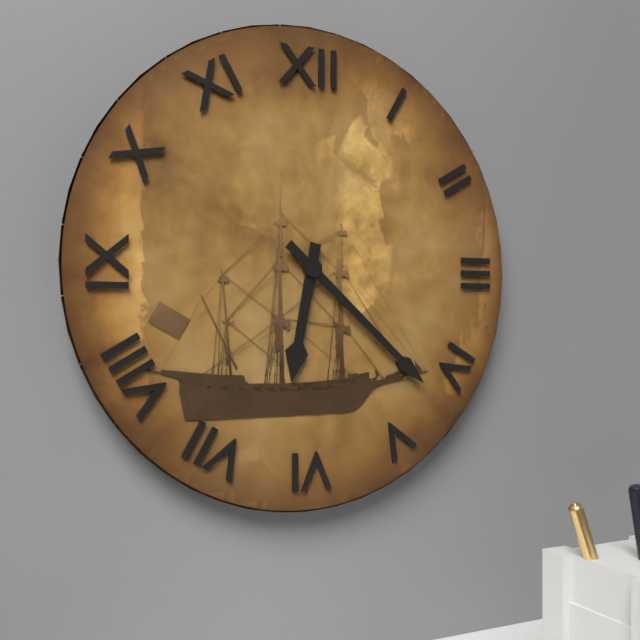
6:22
